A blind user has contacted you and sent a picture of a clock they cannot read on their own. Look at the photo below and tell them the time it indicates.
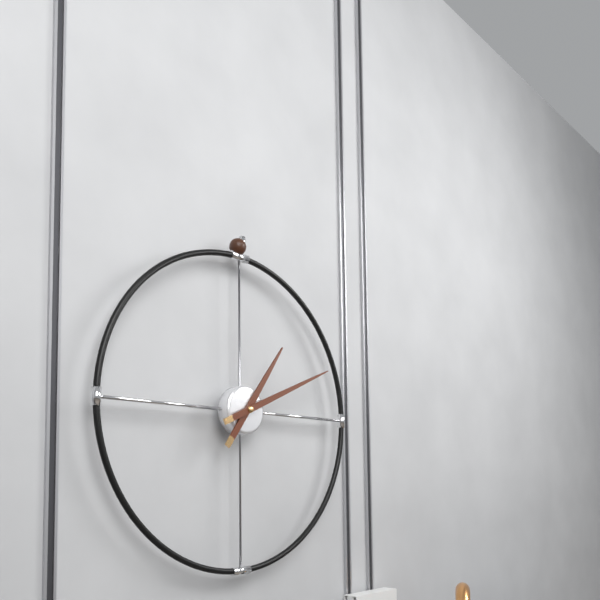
1:11
